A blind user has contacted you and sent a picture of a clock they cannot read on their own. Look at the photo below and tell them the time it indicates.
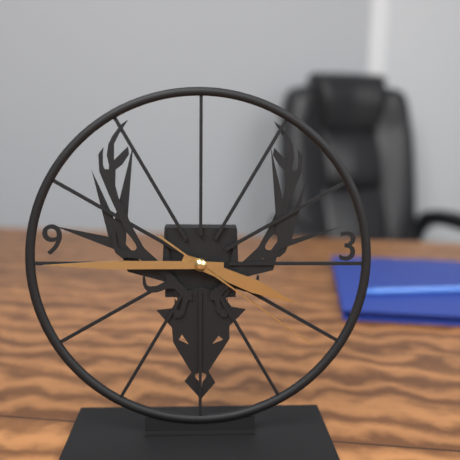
3:45:21
